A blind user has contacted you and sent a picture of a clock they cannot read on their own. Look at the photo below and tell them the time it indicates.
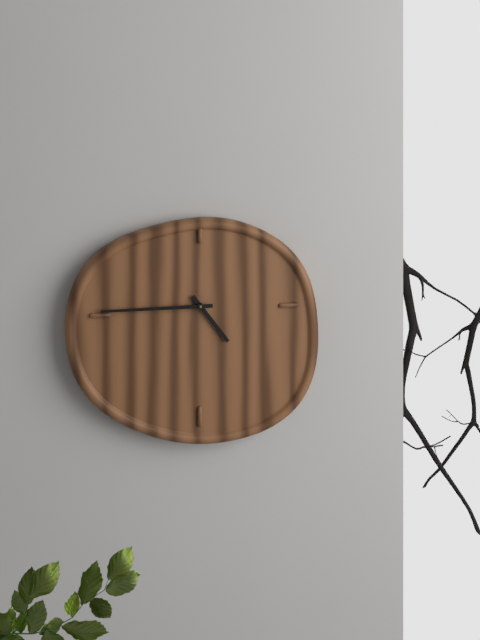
4:45
